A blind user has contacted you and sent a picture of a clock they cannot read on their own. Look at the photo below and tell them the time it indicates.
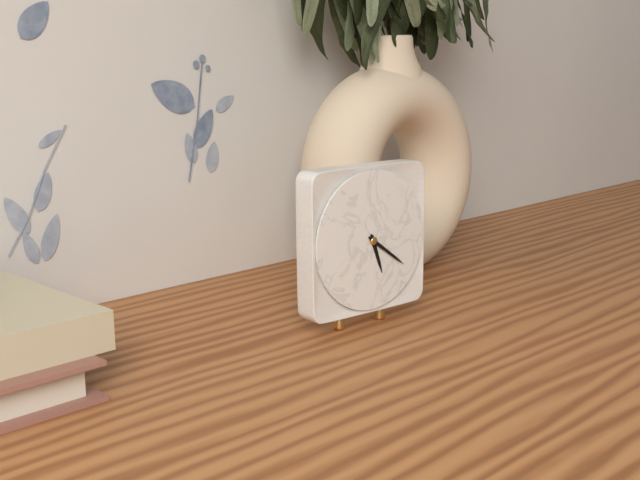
5:21
